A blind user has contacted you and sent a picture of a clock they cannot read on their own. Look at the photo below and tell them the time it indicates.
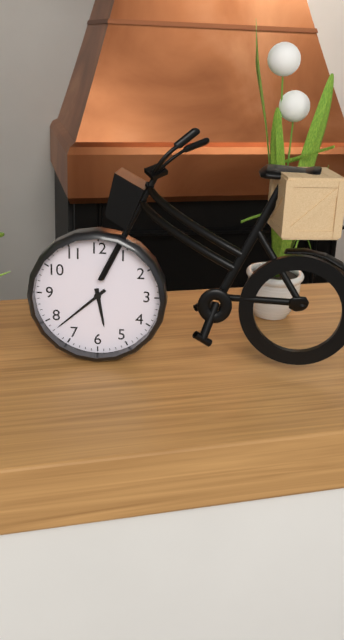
5:38
